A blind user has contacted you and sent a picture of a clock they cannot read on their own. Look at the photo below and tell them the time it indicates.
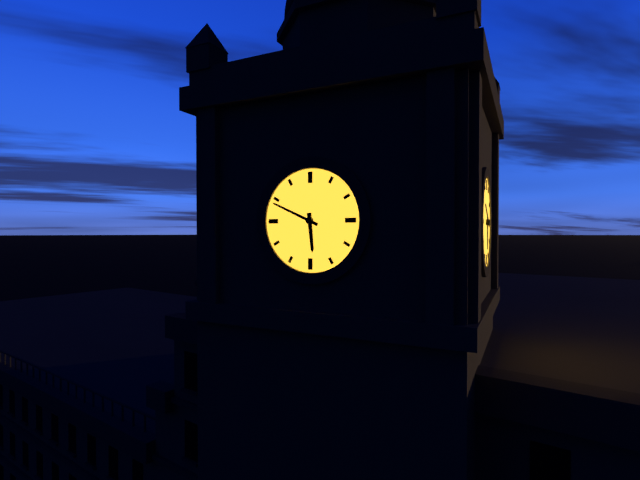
5:49
